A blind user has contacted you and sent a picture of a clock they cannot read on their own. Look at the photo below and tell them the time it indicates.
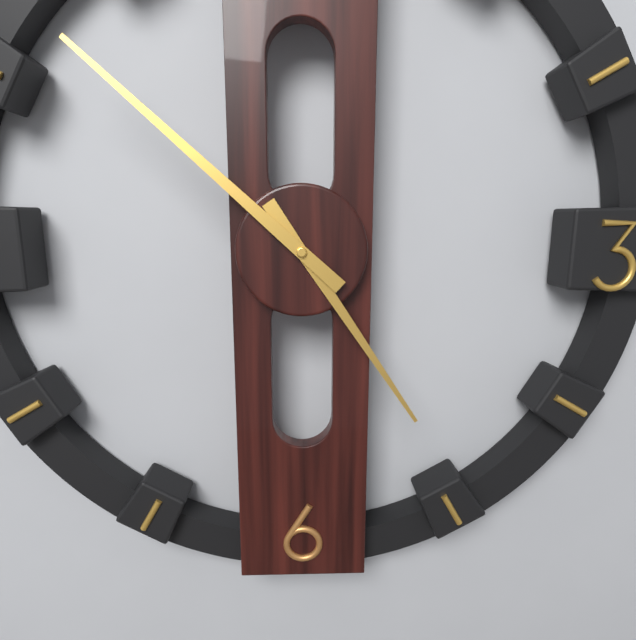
4:52
